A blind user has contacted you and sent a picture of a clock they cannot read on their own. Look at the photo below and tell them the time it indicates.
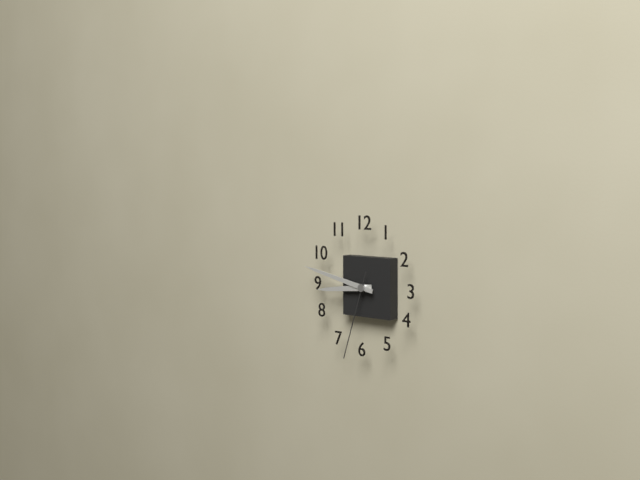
8:47:33
